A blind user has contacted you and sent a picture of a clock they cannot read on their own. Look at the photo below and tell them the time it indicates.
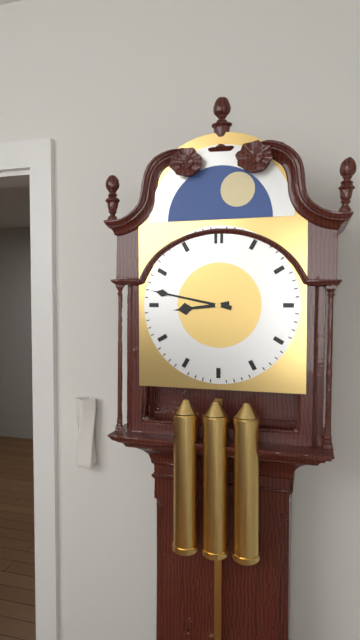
8:47
